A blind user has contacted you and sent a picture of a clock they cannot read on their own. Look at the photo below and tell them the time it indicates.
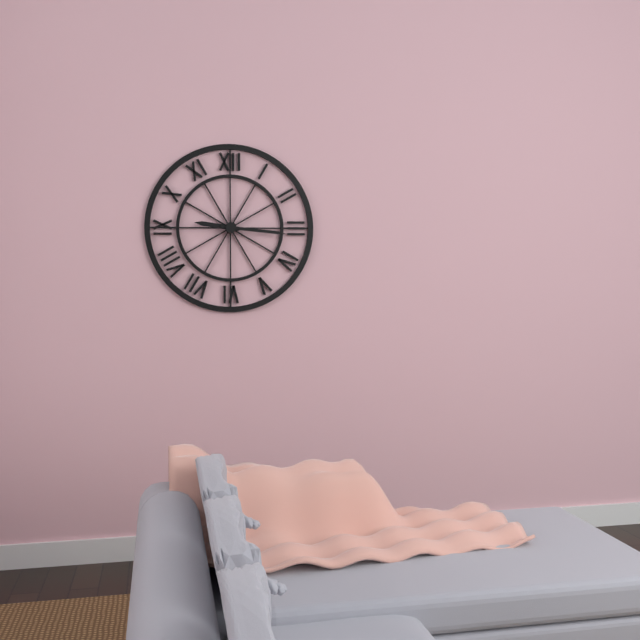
9:16
